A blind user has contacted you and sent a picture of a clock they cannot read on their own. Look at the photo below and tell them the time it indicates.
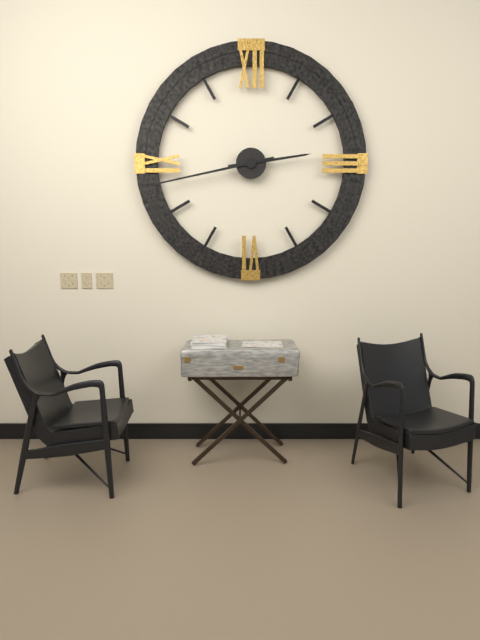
2:43
